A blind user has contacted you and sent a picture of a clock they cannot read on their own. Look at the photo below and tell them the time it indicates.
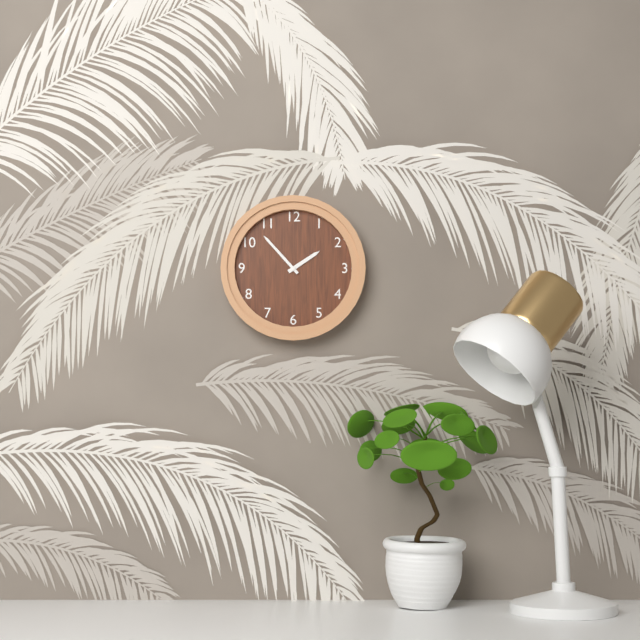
1:53
